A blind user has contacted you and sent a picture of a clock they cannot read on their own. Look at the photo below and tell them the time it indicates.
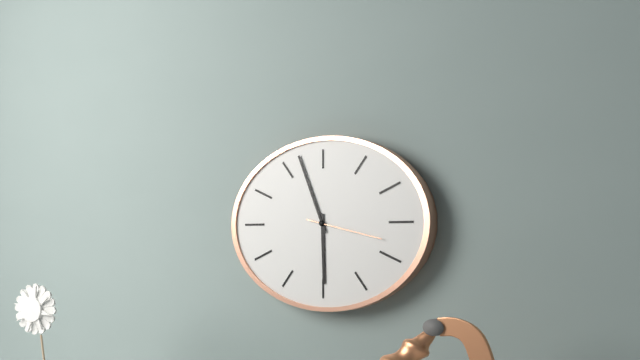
5:56:17
